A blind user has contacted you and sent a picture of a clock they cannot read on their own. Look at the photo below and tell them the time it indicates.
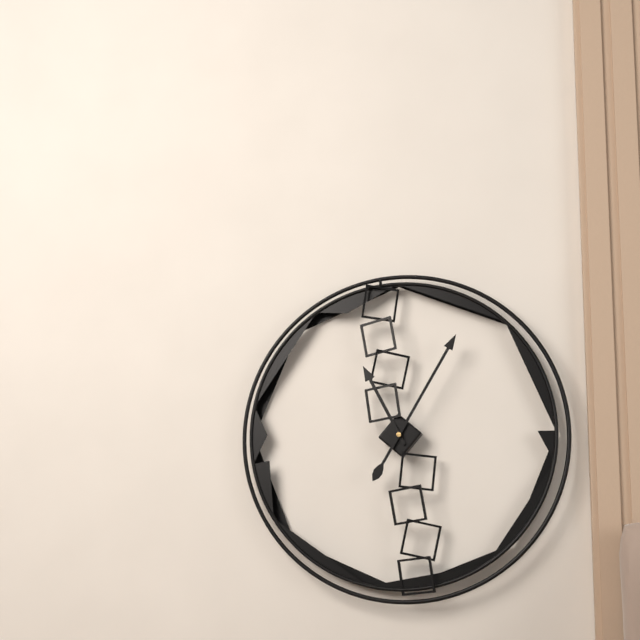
11:05
